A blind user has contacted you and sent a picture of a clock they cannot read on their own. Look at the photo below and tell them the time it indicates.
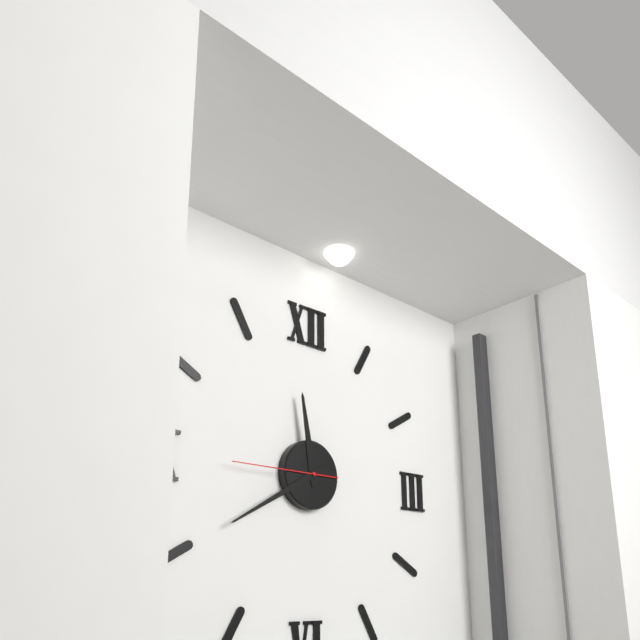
11:40:45
